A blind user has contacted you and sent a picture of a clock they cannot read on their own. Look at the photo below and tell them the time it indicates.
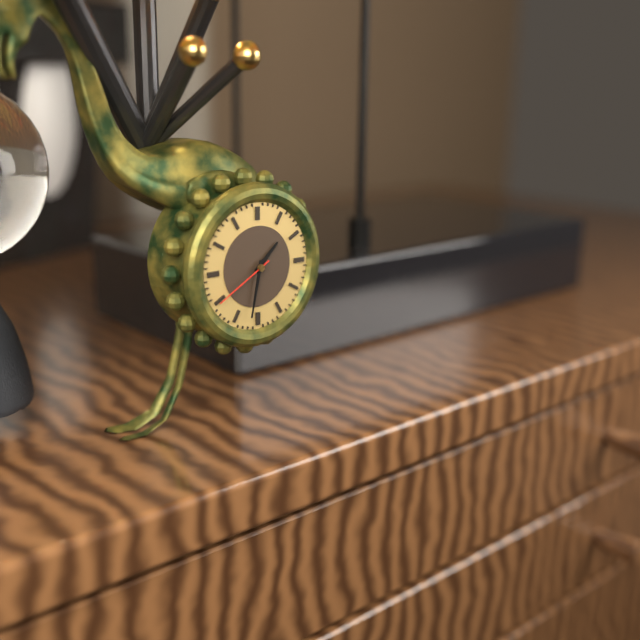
1:32:40
